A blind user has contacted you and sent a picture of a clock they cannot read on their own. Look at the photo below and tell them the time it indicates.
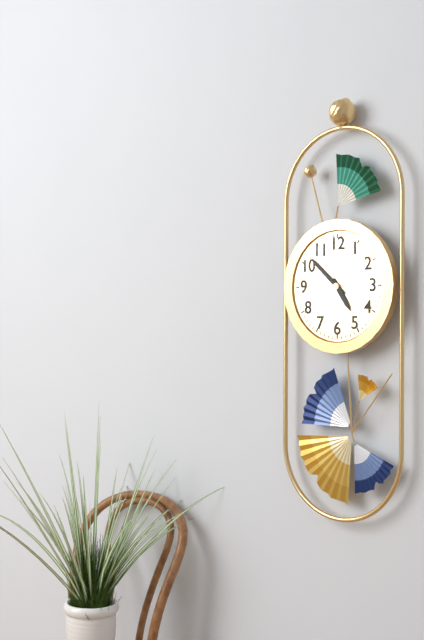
4:52
